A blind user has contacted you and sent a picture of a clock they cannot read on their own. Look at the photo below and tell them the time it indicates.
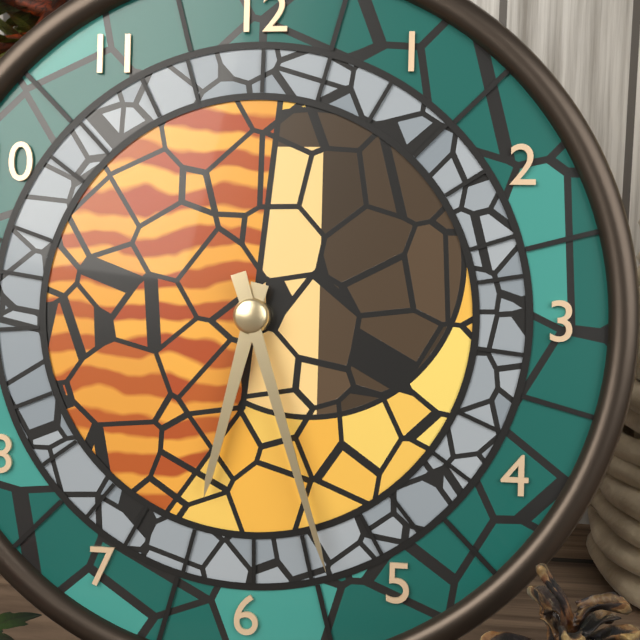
6:27
